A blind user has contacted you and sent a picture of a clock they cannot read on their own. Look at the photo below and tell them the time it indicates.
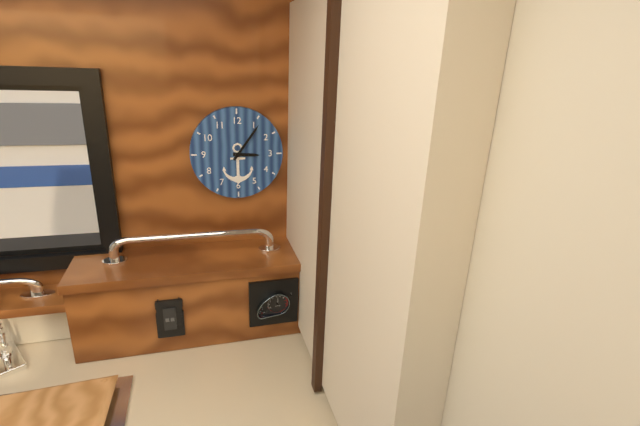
3:06
